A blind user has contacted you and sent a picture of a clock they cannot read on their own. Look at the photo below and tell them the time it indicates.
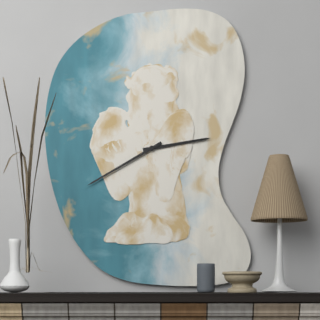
2:40
